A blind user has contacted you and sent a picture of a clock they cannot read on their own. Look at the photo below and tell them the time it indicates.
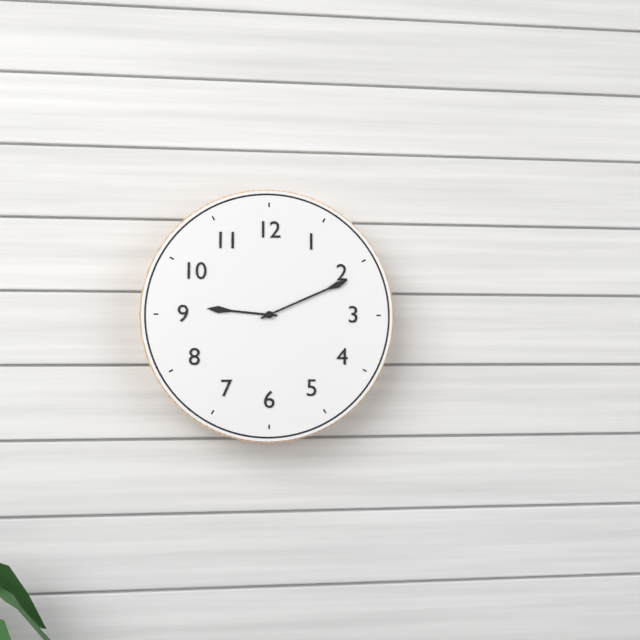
9:11
